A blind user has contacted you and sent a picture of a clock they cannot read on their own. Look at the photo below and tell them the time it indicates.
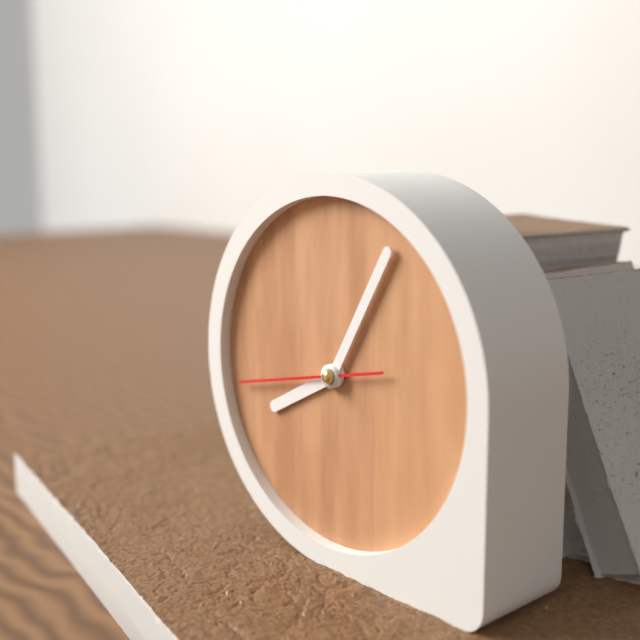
8:05:43
